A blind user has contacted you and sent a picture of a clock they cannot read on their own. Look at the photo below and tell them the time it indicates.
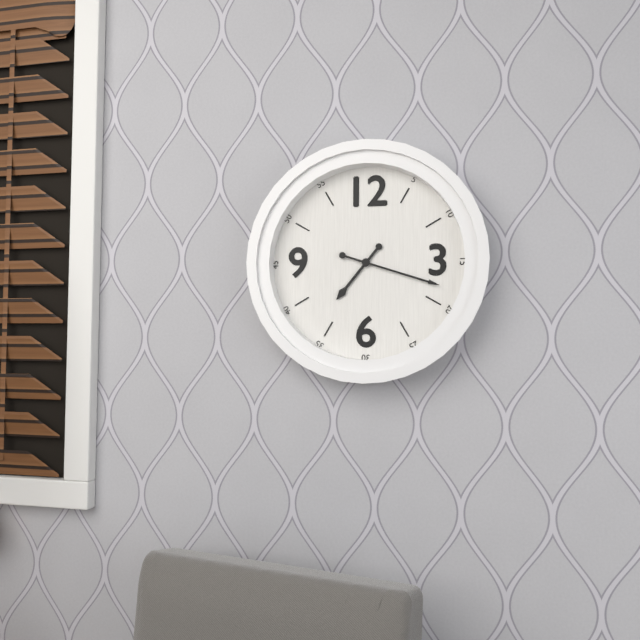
7:18
